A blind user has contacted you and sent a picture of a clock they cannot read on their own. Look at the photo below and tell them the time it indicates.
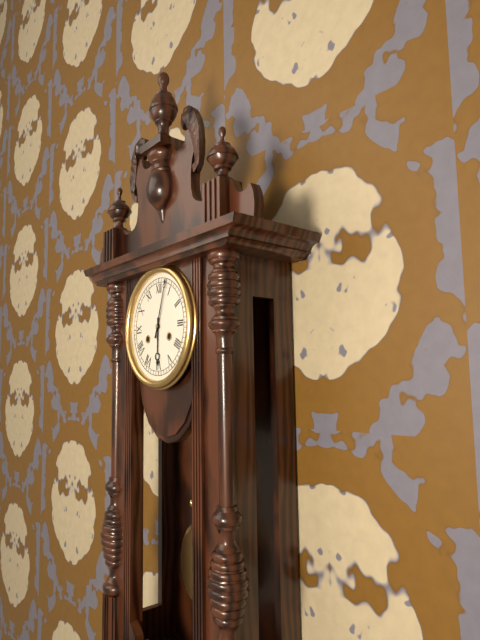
6:03
